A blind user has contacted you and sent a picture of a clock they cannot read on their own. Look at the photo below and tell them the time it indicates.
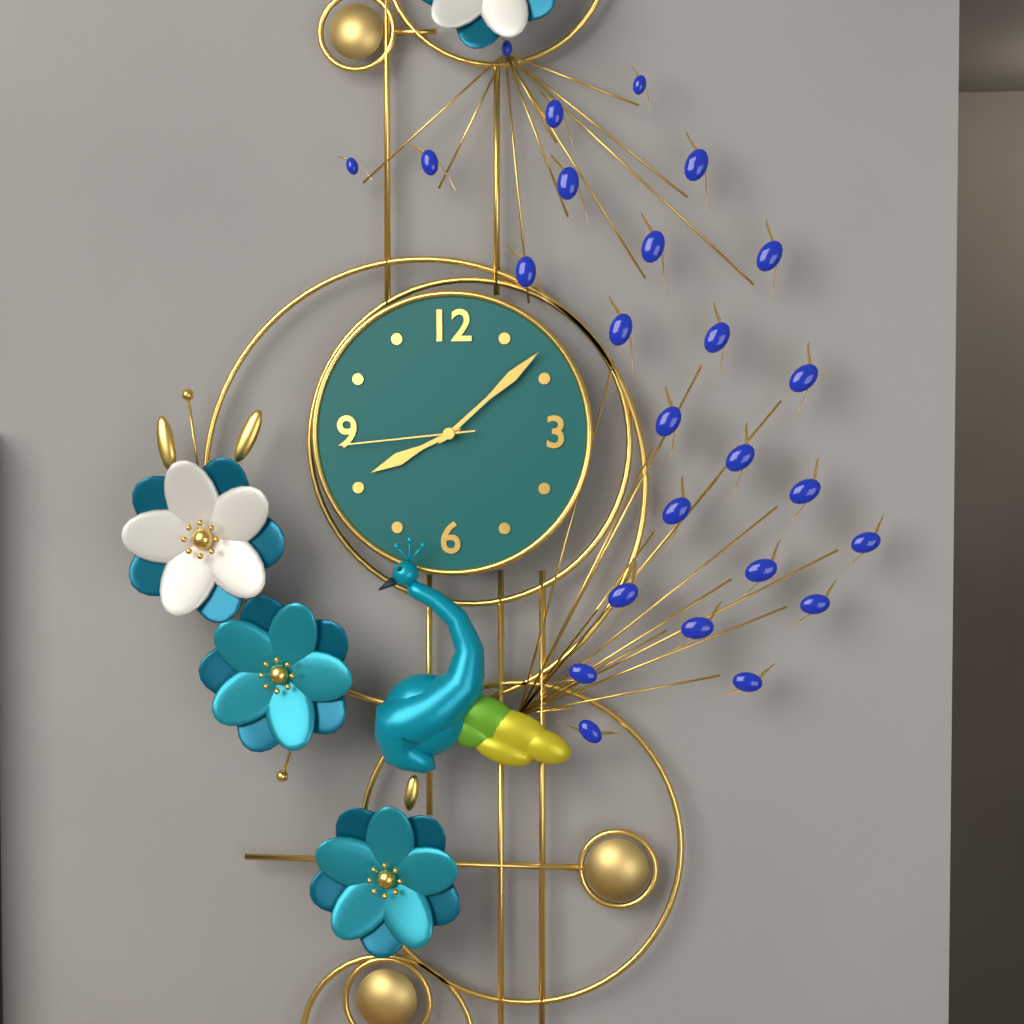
8:08:44
